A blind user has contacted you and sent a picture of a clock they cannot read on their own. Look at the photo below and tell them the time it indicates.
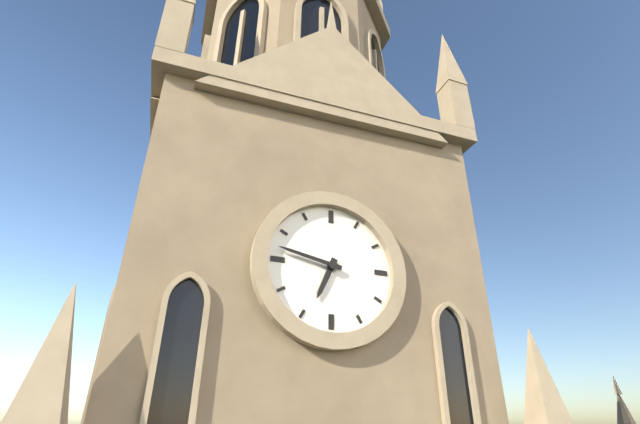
6:47
